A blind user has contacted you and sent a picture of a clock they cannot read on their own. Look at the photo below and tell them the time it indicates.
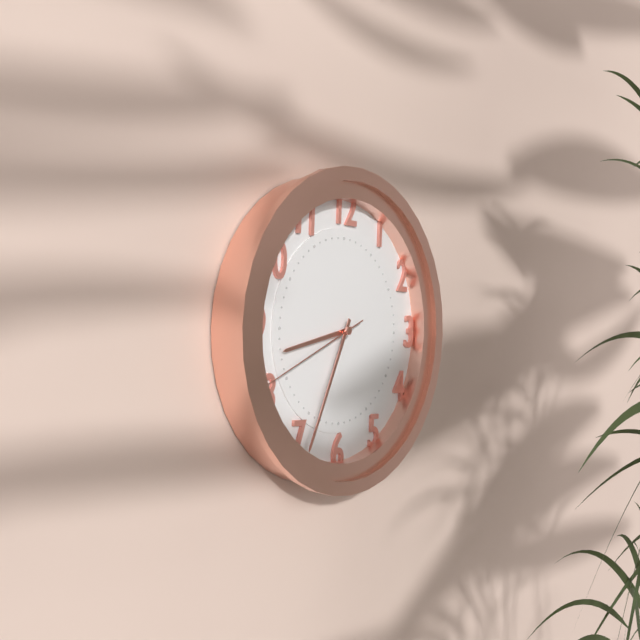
8:34:41
